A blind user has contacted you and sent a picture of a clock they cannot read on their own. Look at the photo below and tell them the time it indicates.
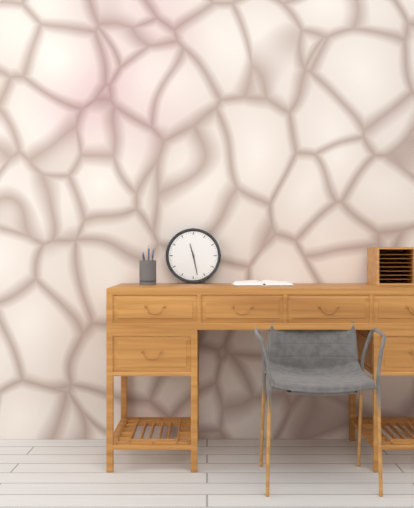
11:28
